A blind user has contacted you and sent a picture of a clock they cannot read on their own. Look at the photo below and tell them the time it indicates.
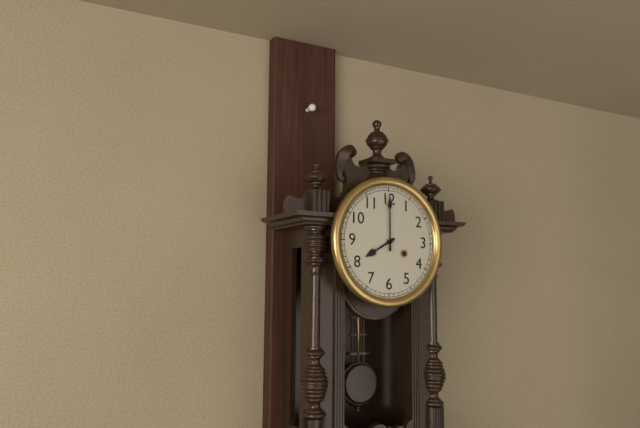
8:00
